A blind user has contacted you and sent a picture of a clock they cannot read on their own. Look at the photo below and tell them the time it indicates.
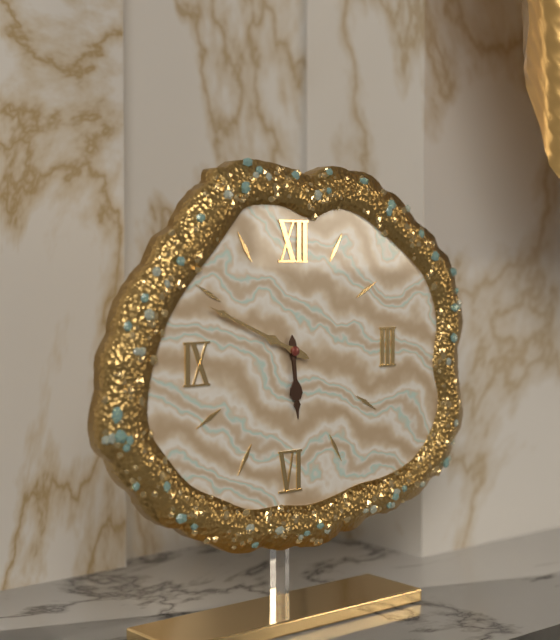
5:49
